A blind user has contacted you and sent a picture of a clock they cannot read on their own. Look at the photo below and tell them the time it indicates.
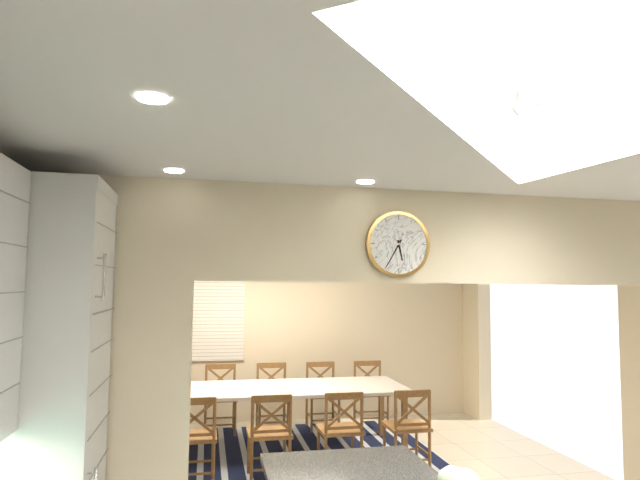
5:35
